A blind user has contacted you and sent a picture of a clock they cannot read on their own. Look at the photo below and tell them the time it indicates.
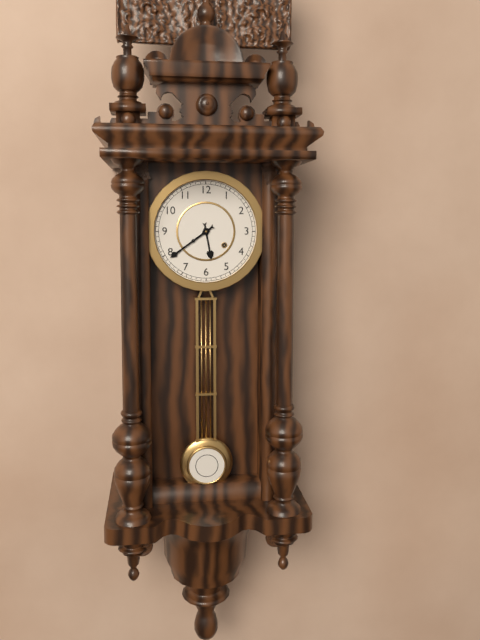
5:39
